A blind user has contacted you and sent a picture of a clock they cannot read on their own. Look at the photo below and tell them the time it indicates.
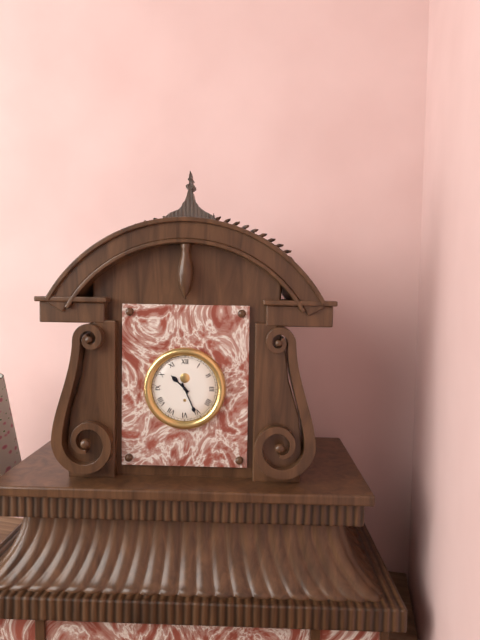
10:26
